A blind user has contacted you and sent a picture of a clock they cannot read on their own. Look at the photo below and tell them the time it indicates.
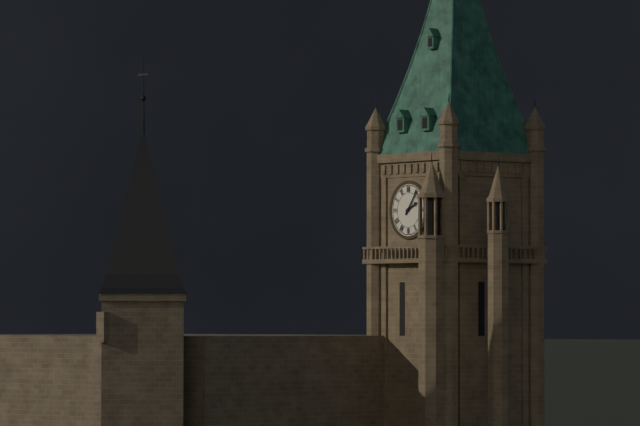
2:06
